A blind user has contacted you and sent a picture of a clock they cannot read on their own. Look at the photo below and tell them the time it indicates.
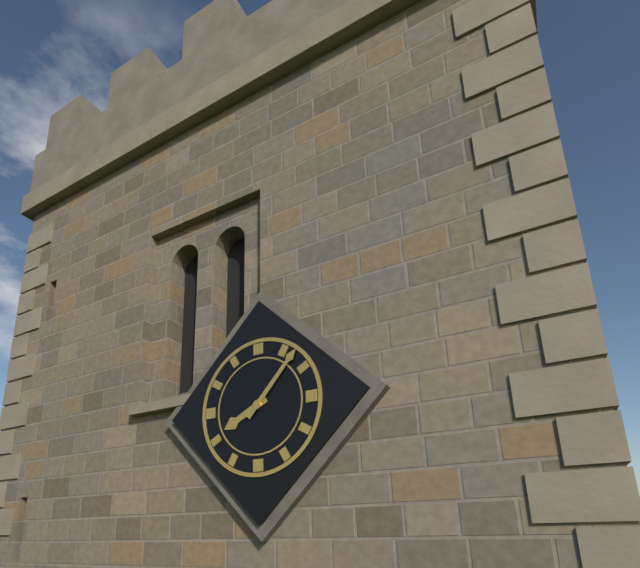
8:07
